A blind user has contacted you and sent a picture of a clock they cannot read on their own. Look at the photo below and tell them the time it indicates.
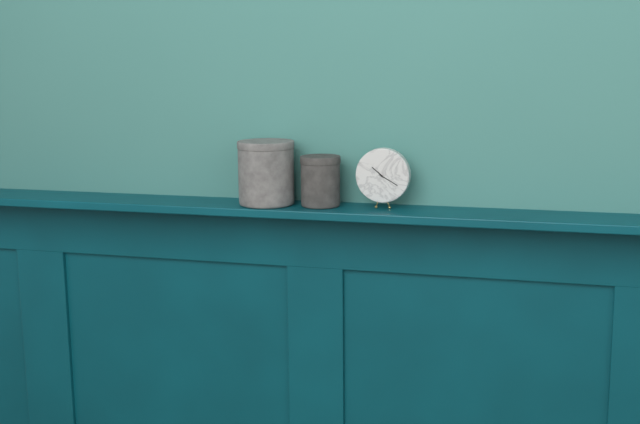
10:20
